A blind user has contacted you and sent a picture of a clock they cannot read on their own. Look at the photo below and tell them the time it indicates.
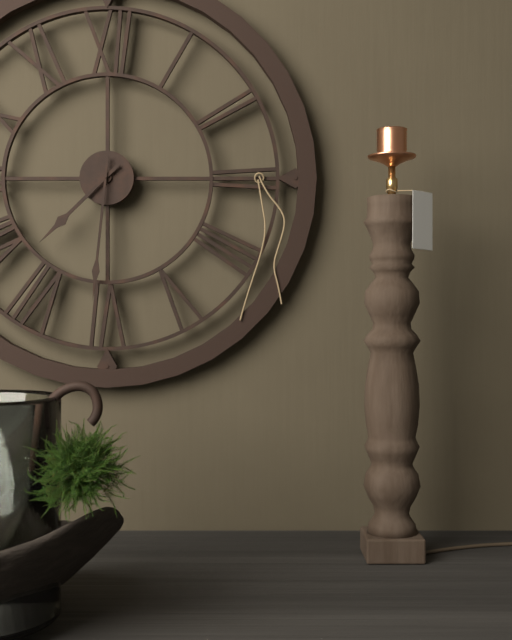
7:31
